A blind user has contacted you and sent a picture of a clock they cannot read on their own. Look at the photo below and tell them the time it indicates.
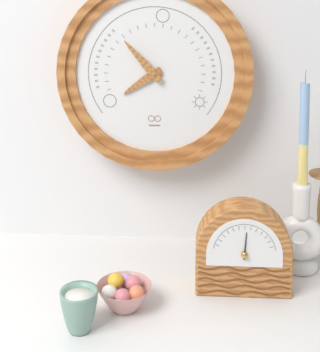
7:53
